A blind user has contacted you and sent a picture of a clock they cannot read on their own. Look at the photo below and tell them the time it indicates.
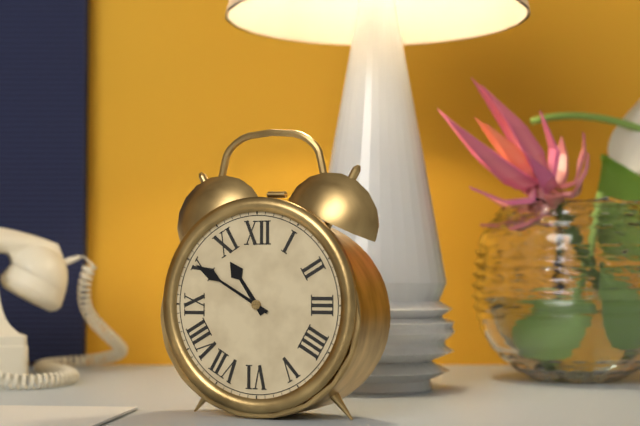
10:50
